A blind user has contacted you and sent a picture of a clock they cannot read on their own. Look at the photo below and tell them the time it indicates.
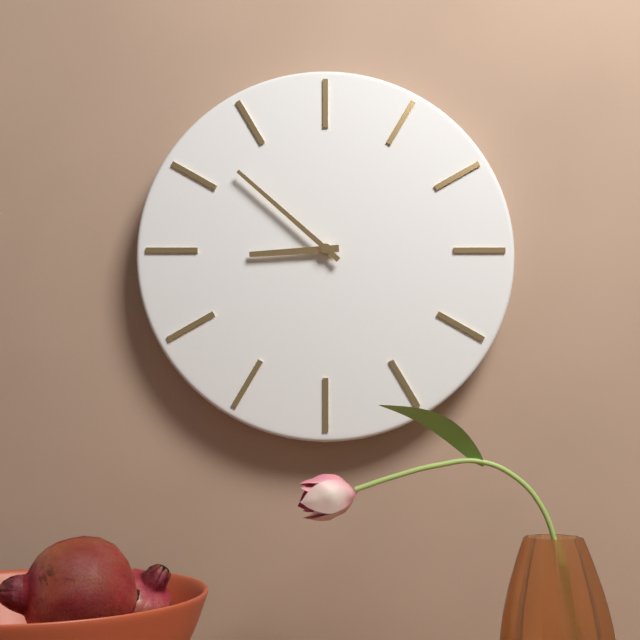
8:52
